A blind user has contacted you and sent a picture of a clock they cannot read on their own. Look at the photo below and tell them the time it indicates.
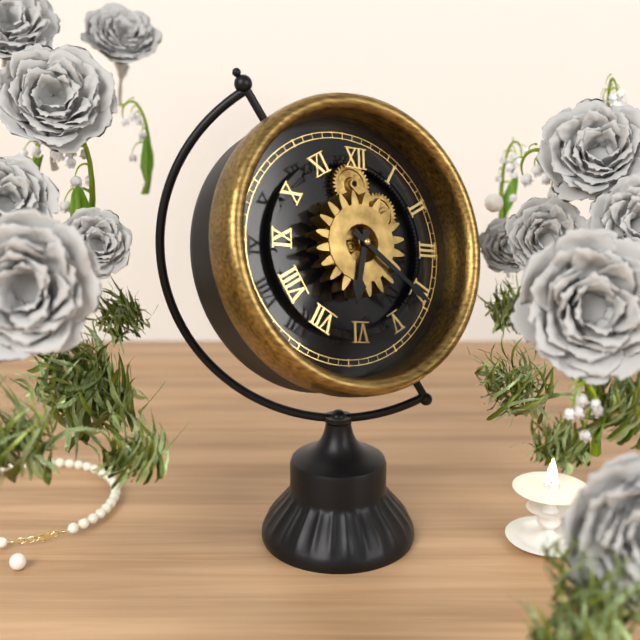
6:21
